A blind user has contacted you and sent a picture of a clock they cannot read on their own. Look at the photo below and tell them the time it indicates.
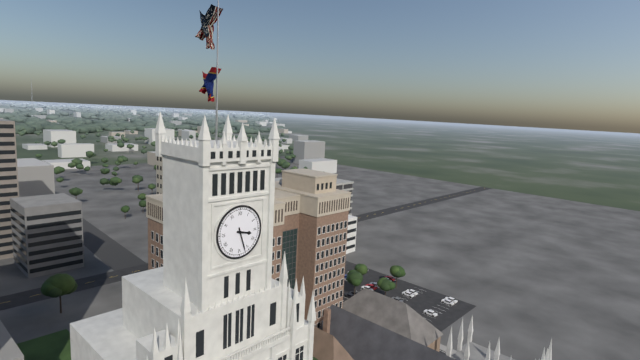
3:27
